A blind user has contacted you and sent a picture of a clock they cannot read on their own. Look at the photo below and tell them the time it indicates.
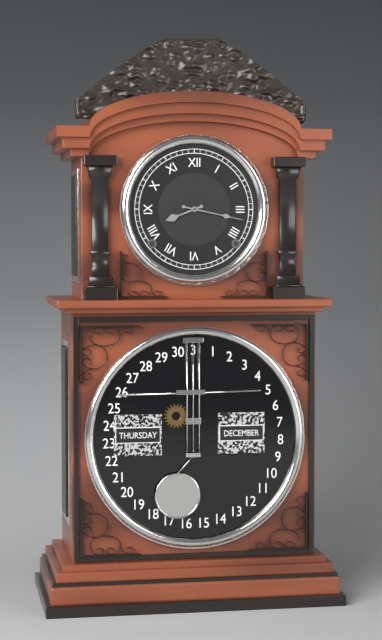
8:17
